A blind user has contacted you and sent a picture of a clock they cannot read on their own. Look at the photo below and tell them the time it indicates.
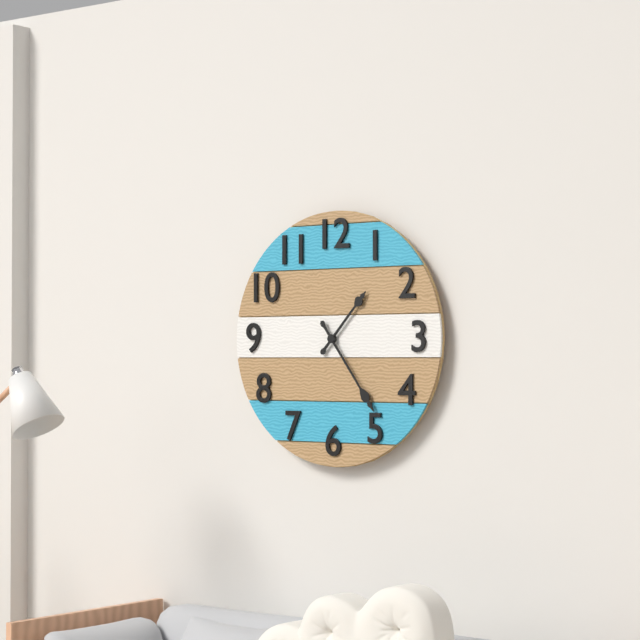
1:24
